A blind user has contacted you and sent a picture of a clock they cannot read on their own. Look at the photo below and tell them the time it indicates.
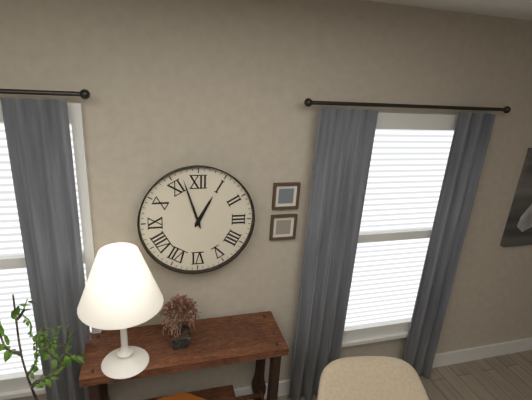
12:57
